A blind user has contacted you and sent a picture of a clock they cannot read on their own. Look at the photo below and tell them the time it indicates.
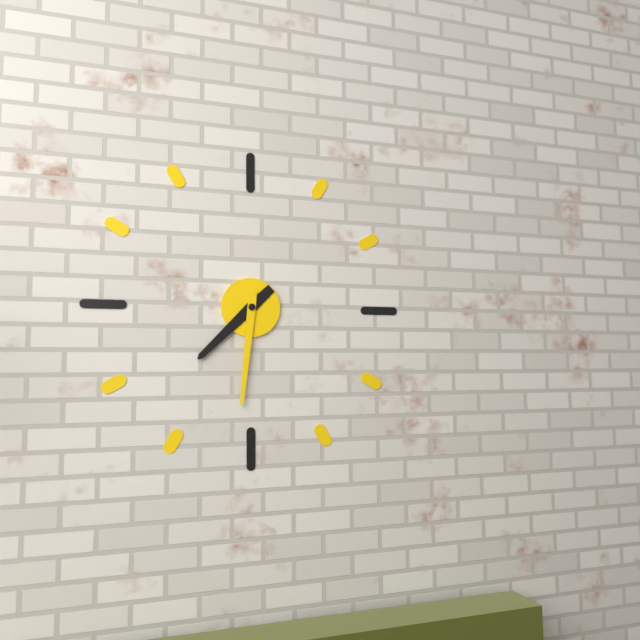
7:31
